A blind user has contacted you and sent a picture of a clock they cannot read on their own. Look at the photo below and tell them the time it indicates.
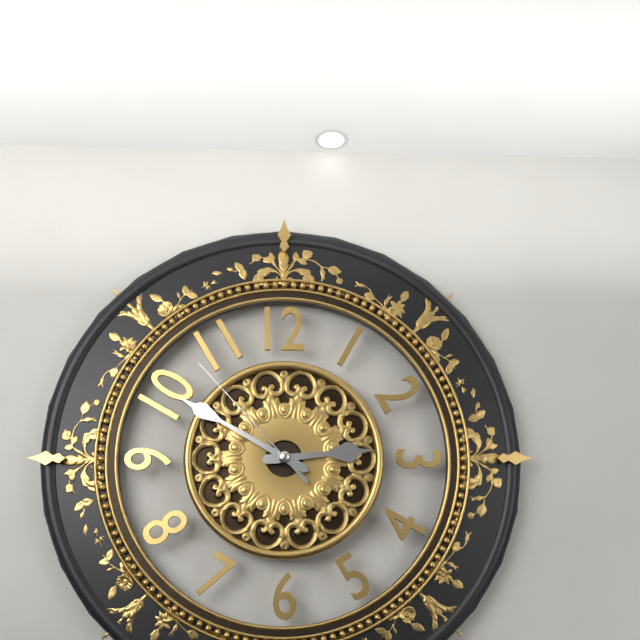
2:50:53
